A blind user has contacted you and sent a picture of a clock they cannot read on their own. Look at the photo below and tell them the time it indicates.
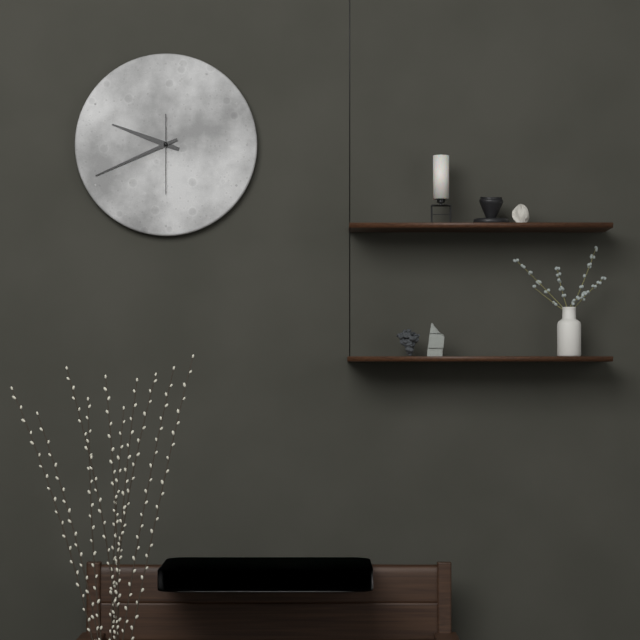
9:41:30
